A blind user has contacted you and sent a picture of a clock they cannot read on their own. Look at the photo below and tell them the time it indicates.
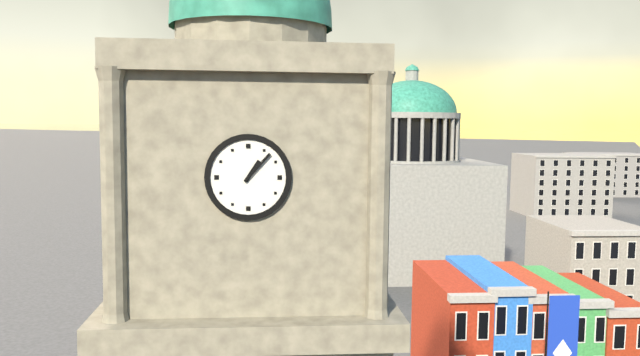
1:07
